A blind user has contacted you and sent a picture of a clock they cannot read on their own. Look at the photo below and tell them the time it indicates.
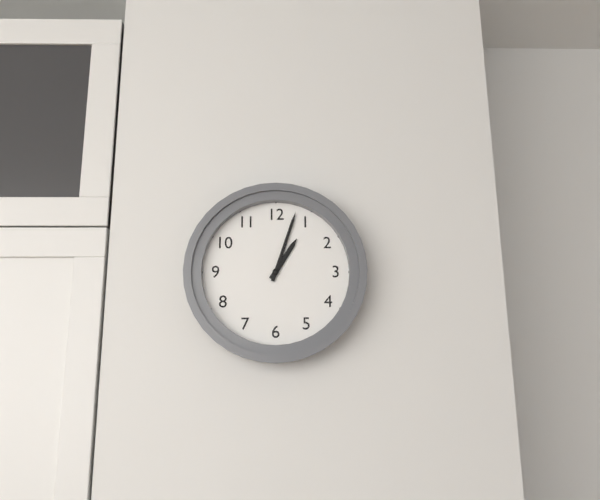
1:03
